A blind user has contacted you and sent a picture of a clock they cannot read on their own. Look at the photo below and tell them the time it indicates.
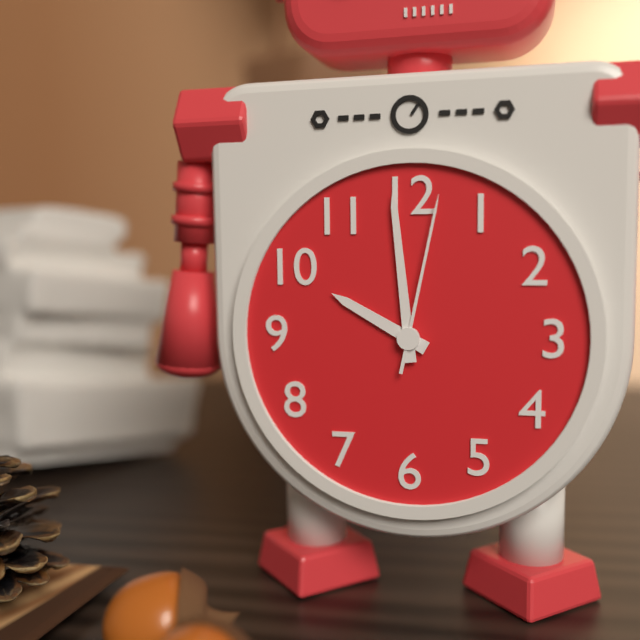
9:59:02
